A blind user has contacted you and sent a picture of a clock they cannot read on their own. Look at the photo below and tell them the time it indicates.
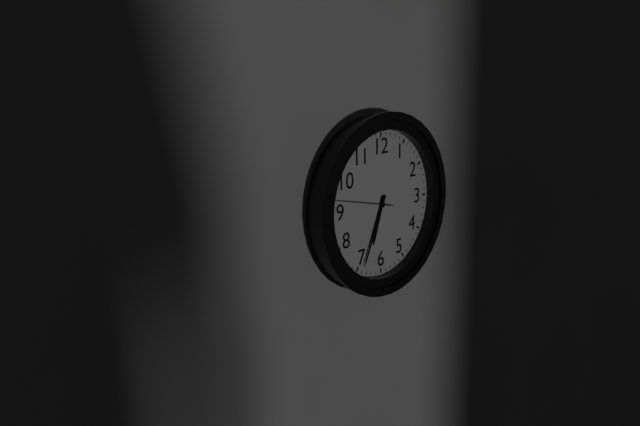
6:34:47
